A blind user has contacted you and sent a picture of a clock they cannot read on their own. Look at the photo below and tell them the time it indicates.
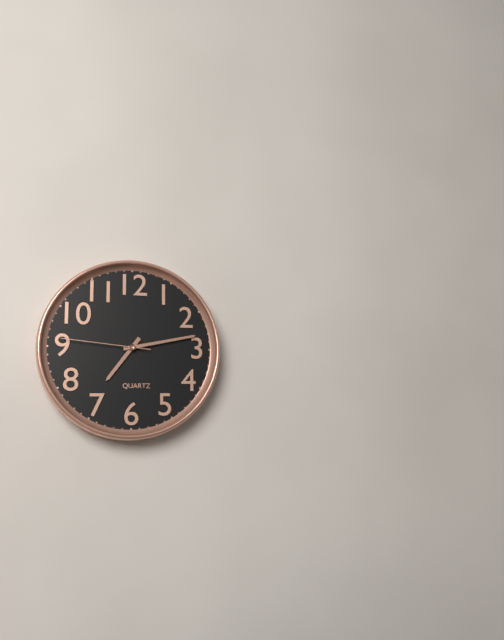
7:13:46
